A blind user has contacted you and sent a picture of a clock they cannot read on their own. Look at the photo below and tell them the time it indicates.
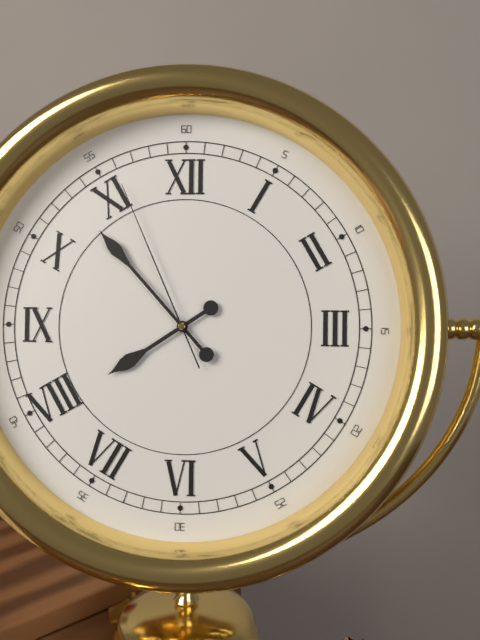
7:53:56
